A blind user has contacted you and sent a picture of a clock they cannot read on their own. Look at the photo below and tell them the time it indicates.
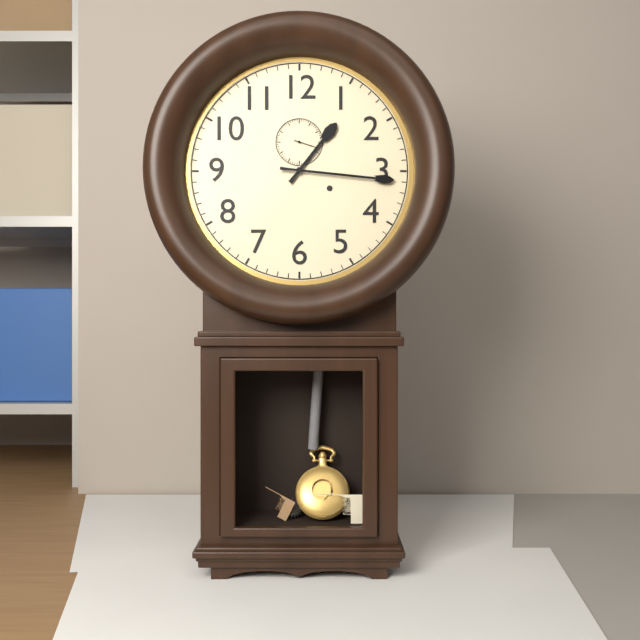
1:16
